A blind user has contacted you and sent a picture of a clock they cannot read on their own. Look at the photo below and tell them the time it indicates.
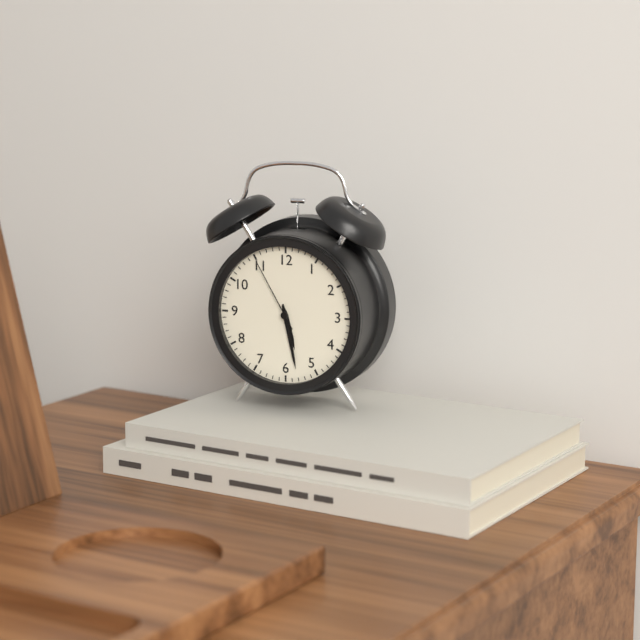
5:28:55
